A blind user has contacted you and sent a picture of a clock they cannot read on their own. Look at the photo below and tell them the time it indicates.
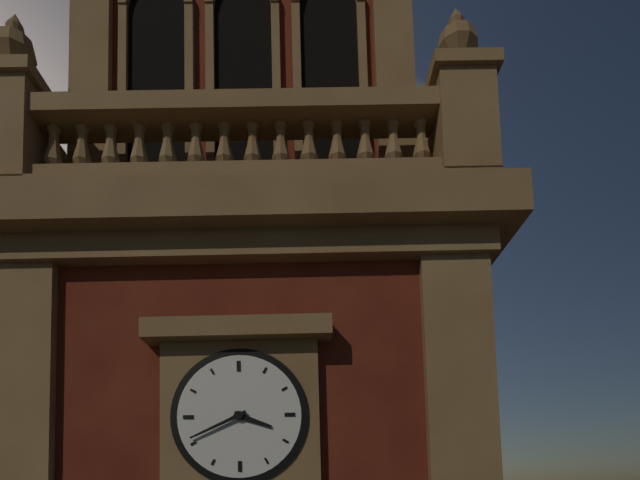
3:41
